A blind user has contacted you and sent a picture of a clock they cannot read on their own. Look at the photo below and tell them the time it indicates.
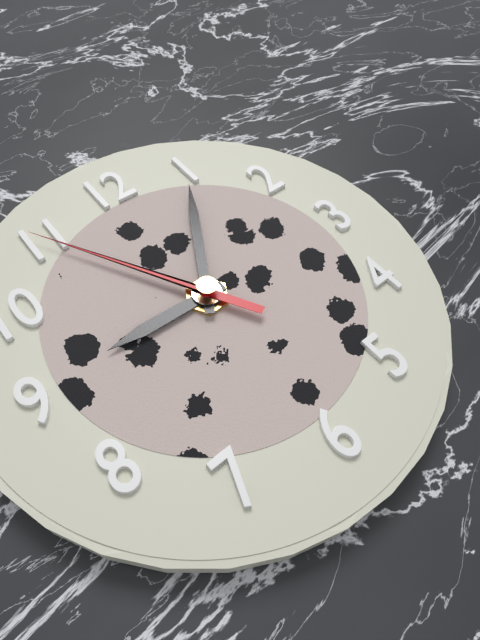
9:05:55
